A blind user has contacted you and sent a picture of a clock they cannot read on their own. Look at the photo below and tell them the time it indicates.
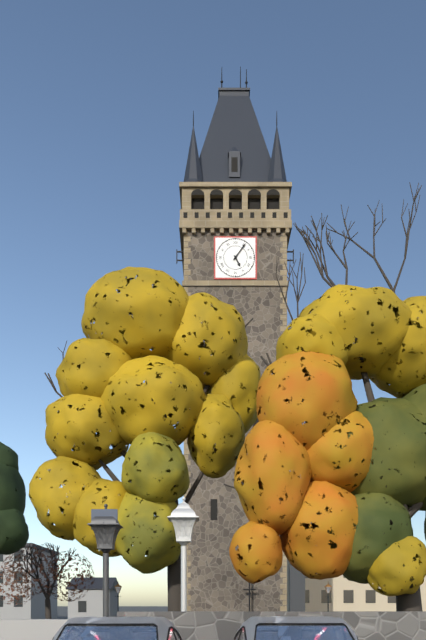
5:06
